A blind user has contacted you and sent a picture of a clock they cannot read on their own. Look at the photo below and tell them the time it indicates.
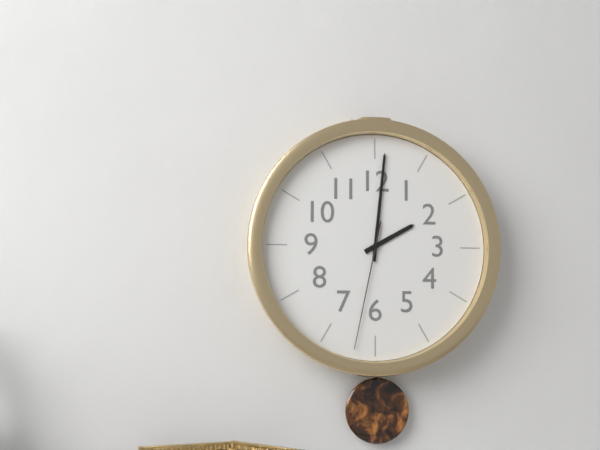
2:01:32
